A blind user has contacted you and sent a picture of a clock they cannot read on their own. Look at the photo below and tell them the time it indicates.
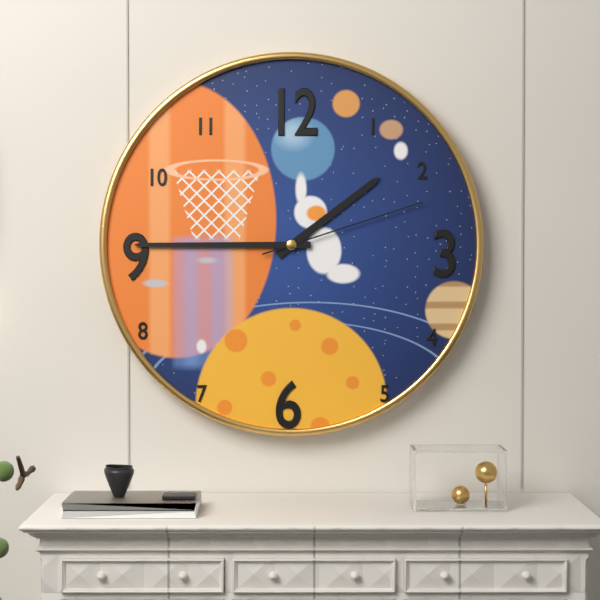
1:45:12
